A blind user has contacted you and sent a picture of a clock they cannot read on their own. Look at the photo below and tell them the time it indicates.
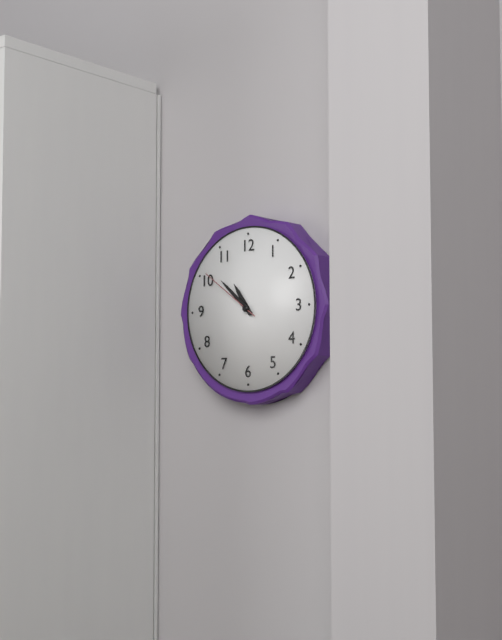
10:52:51
